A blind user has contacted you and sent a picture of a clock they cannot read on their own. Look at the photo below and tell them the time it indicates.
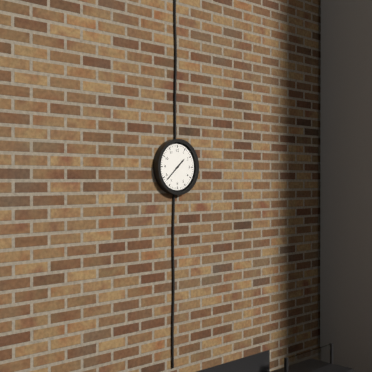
1:38
